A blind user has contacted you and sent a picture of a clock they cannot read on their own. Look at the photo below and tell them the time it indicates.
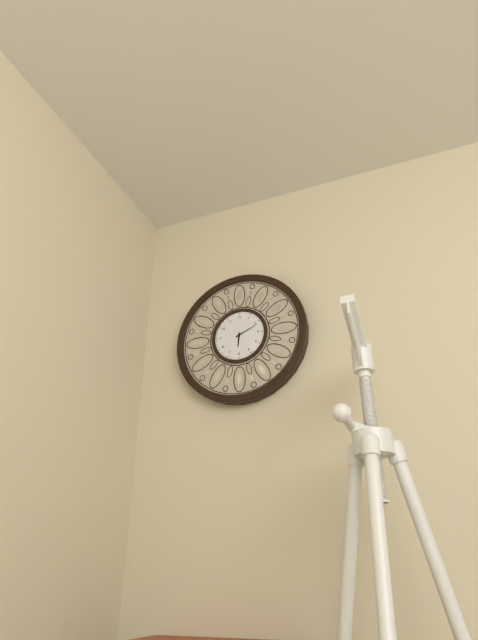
6:11
